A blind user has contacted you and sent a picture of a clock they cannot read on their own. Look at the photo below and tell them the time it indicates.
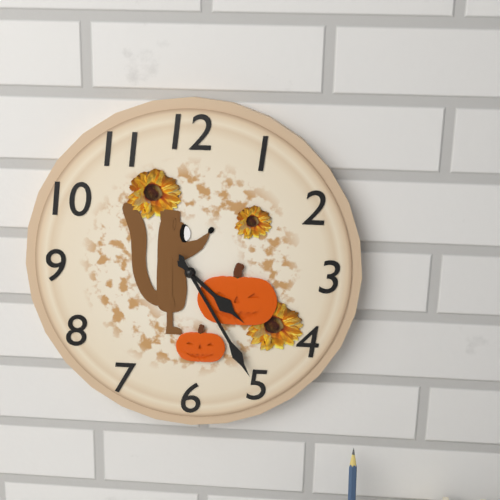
4:25
